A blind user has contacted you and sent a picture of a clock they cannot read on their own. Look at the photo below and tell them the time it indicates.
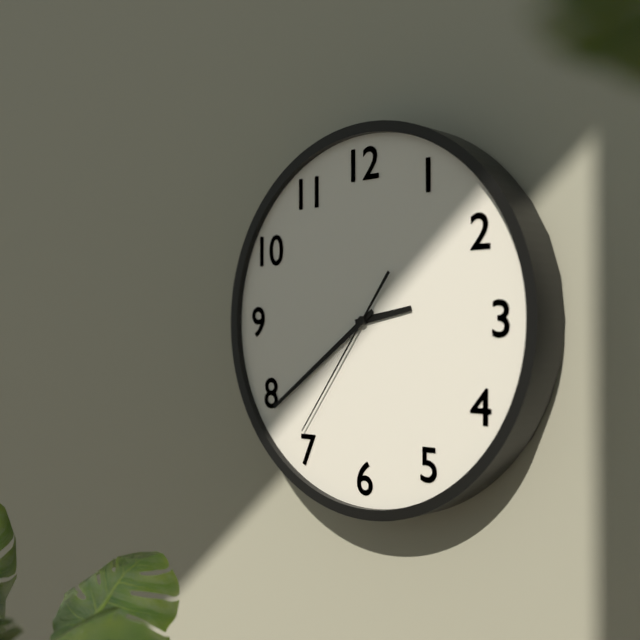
2:39:36
